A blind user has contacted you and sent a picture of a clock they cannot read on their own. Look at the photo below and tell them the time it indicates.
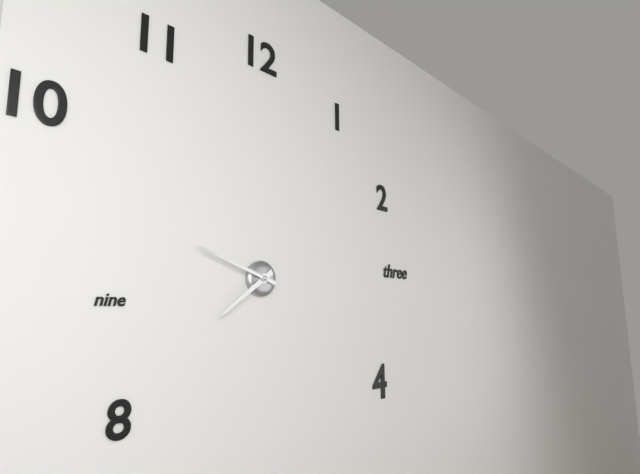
7:48
